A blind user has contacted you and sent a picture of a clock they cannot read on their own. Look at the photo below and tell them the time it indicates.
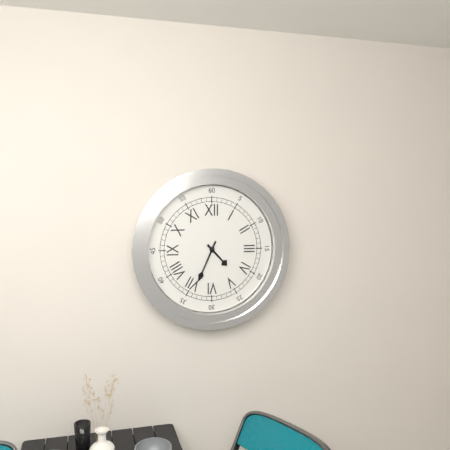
4:34
